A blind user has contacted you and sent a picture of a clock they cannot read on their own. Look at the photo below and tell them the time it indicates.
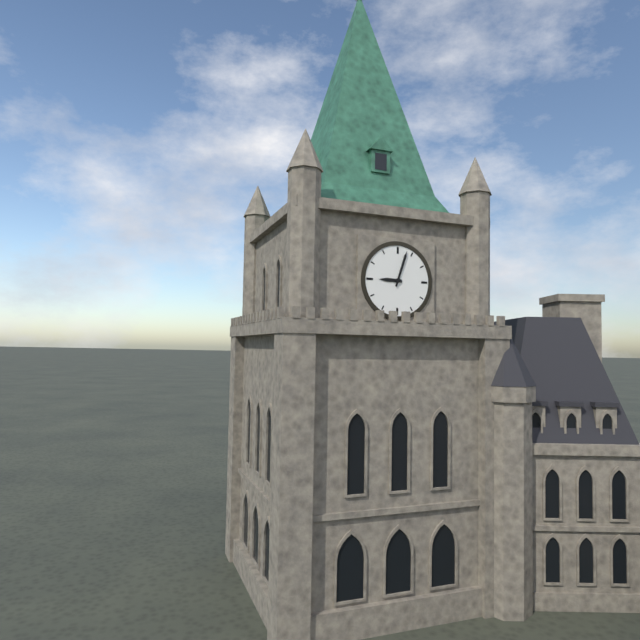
9:03
